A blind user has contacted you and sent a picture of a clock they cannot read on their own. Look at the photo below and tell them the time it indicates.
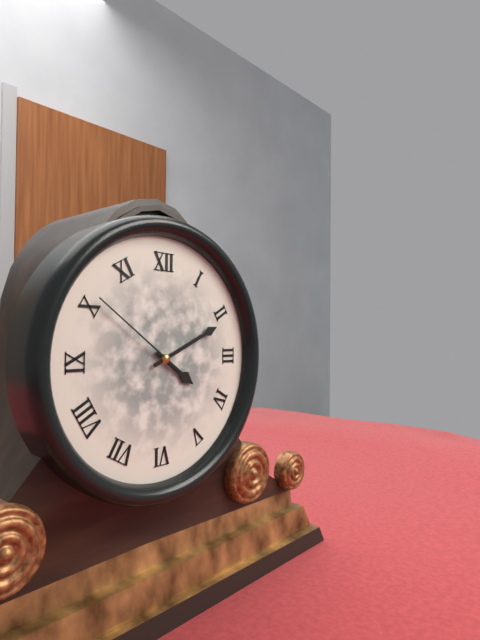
4:11:51
